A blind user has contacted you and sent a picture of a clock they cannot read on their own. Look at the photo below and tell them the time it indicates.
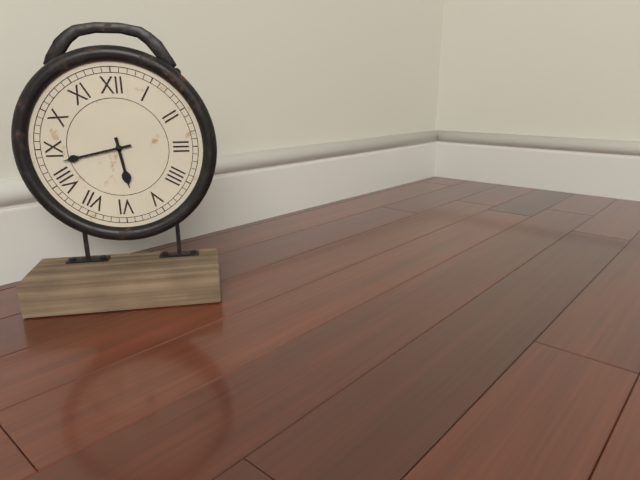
5:43
